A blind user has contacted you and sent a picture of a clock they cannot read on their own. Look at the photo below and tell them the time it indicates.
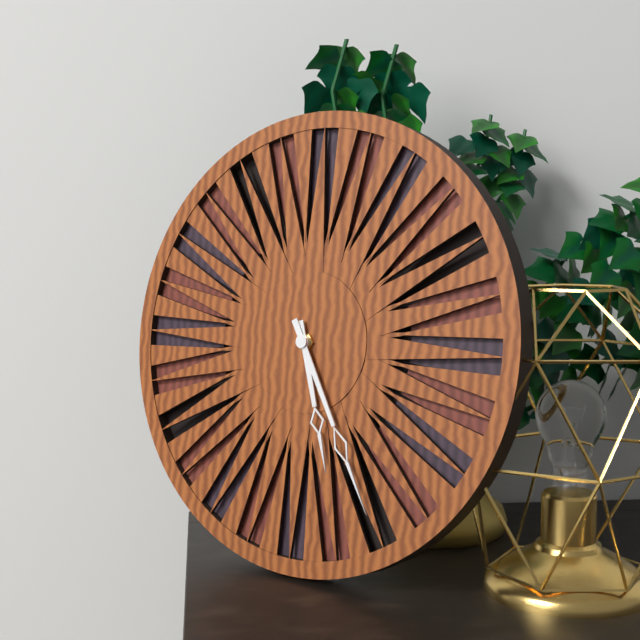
5:25
